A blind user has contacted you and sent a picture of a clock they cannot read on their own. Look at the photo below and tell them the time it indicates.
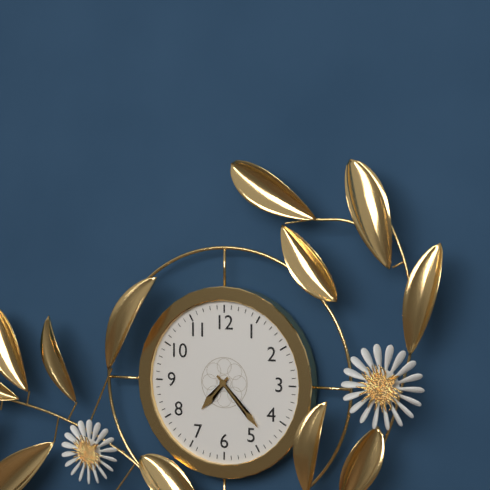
7:23
